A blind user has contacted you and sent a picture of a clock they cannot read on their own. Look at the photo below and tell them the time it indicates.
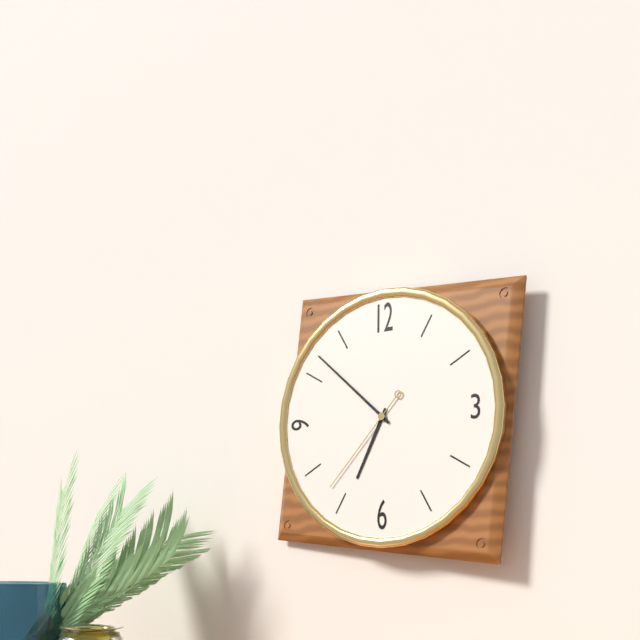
6:52:37
